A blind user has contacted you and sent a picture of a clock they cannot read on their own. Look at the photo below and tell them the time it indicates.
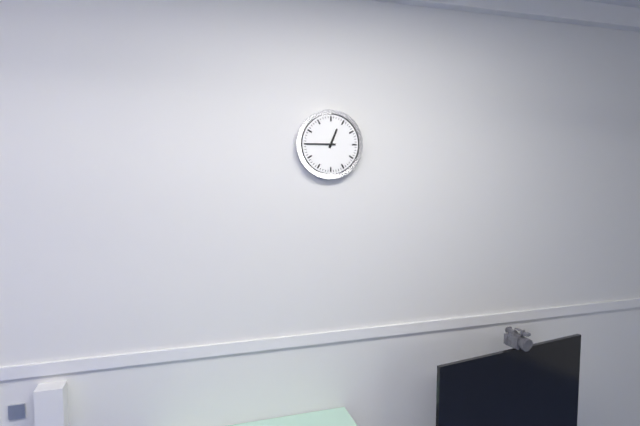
12:45
